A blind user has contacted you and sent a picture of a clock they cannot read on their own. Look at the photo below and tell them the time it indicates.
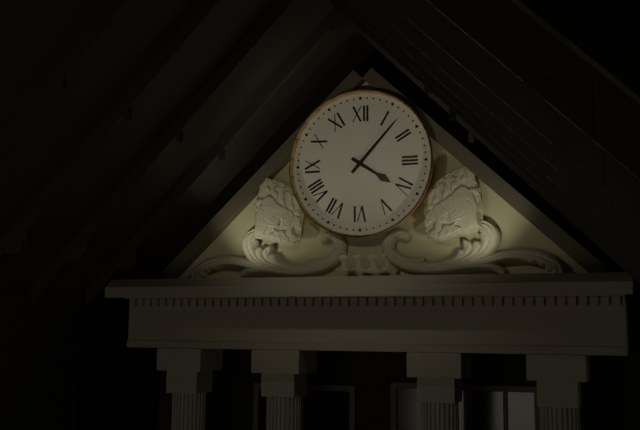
4:07
